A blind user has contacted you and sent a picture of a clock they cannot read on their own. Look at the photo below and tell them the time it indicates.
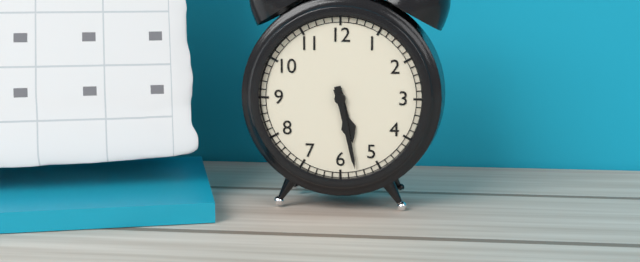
5:28
